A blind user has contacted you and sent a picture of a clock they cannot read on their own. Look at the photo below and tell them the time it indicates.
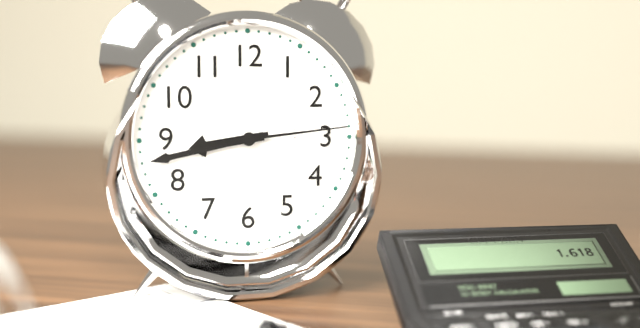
8:43:14
